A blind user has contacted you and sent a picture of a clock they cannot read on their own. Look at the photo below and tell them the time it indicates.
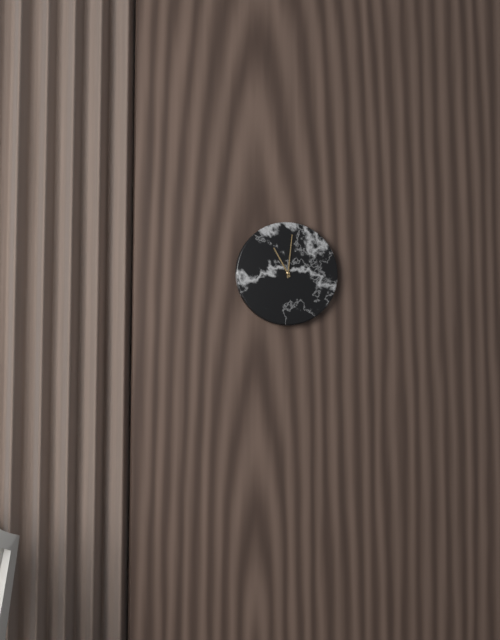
11:01
